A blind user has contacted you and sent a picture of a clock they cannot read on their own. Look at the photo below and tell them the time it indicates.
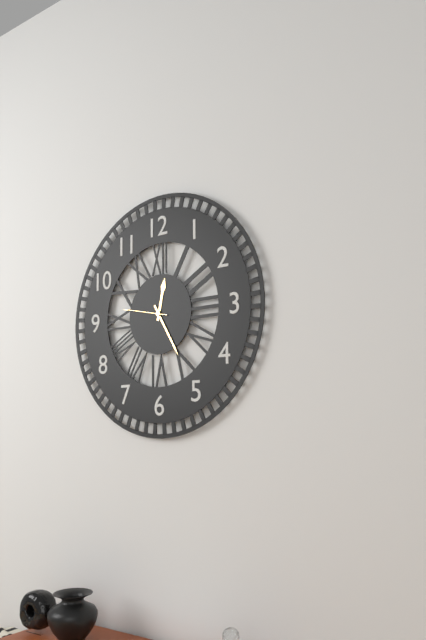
12:25:47
